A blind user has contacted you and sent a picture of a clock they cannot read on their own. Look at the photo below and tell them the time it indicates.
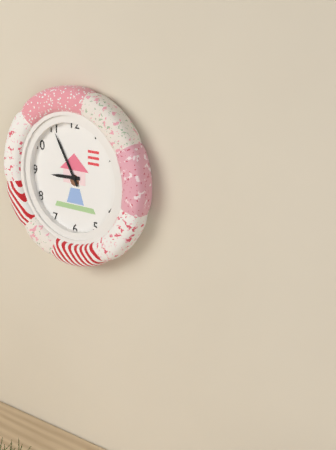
8:55
